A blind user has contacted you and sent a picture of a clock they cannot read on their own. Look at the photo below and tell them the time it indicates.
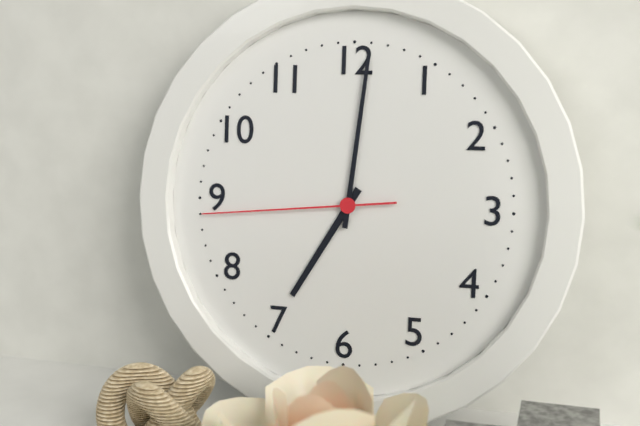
7:01:44
